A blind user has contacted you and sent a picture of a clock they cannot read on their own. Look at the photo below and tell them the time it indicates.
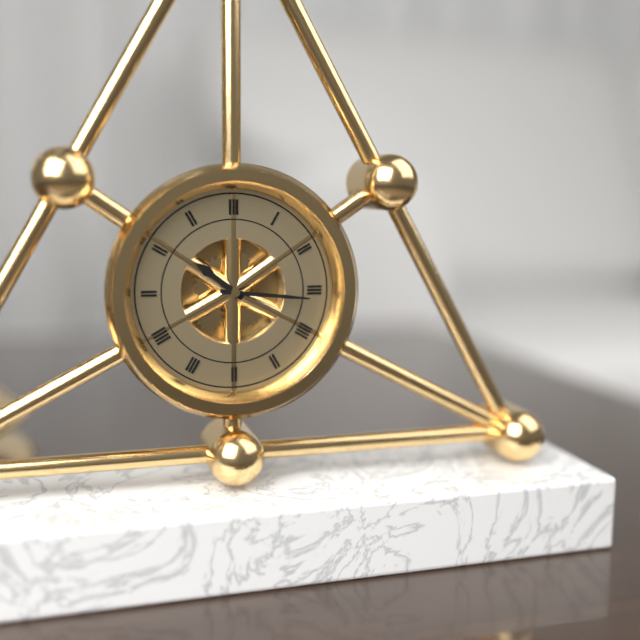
10:16
